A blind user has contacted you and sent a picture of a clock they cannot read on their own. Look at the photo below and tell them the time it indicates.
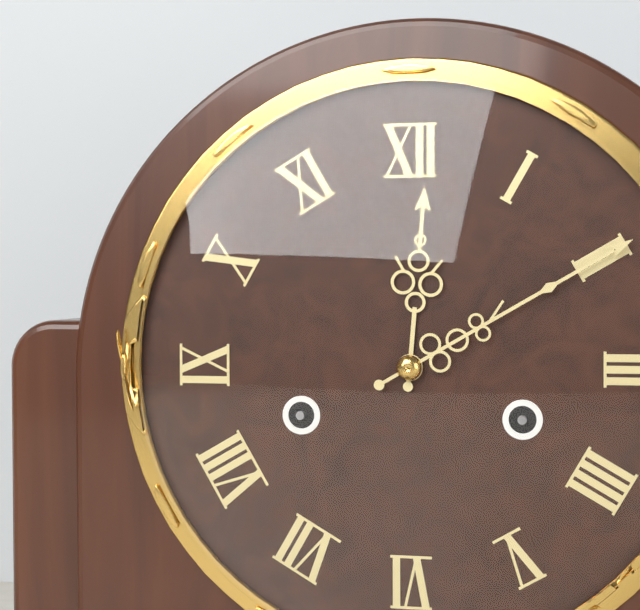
12:10
